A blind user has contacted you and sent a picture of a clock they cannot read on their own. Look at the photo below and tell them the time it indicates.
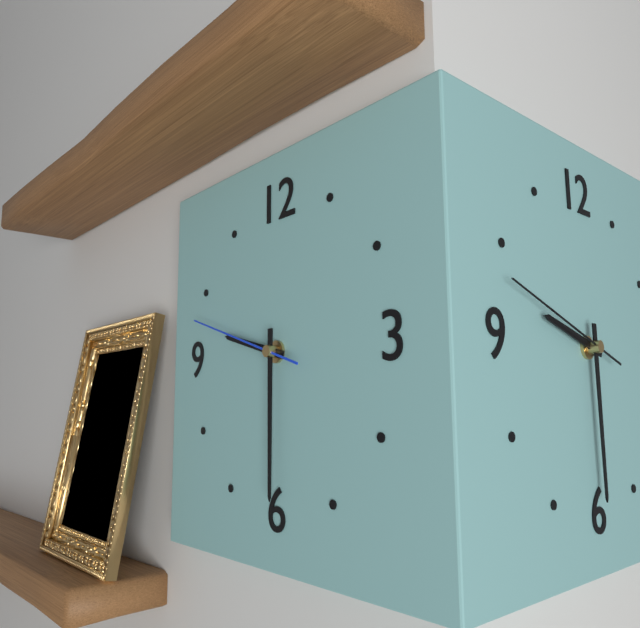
9:30:48
